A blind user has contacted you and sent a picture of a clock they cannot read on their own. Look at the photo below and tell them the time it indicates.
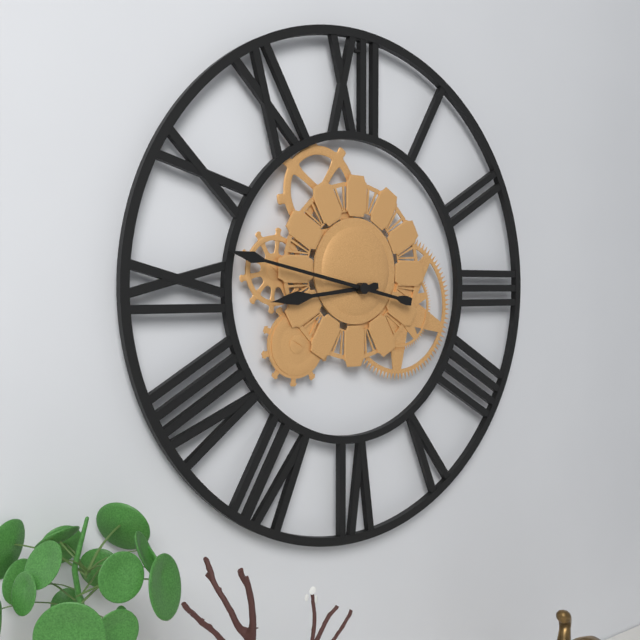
8:47
